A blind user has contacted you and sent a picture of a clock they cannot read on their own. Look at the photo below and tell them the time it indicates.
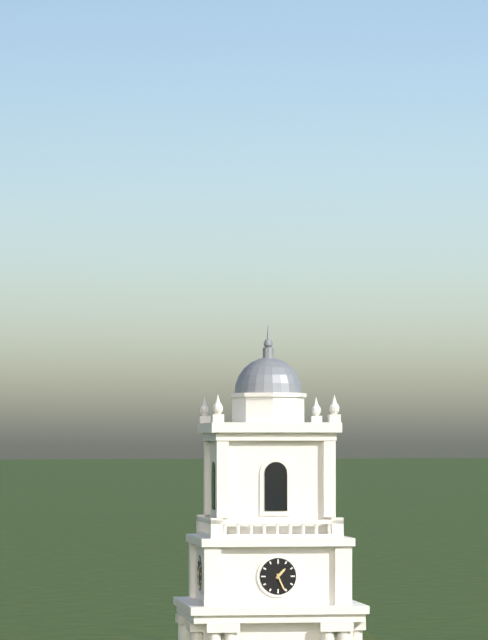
1:26
